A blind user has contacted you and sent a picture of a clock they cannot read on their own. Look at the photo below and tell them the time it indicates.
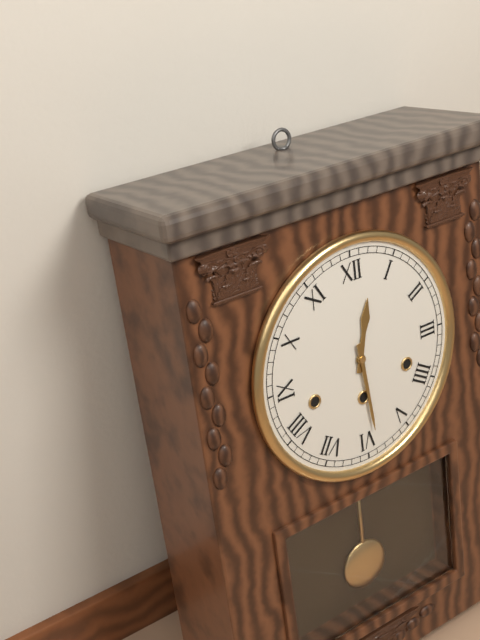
12:29
